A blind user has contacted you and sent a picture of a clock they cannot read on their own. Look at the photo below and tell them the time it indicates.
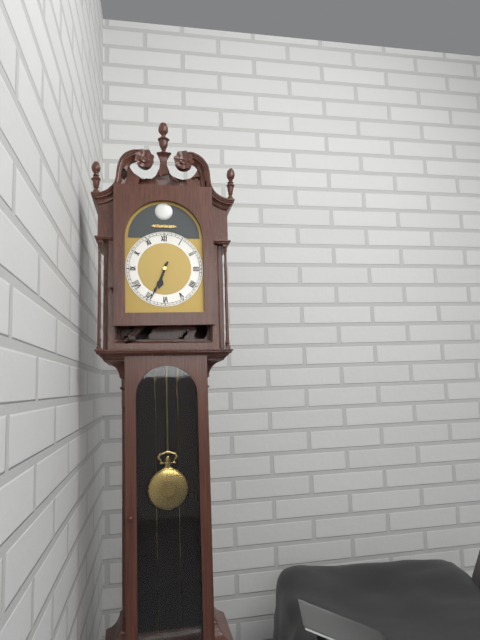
6:34
